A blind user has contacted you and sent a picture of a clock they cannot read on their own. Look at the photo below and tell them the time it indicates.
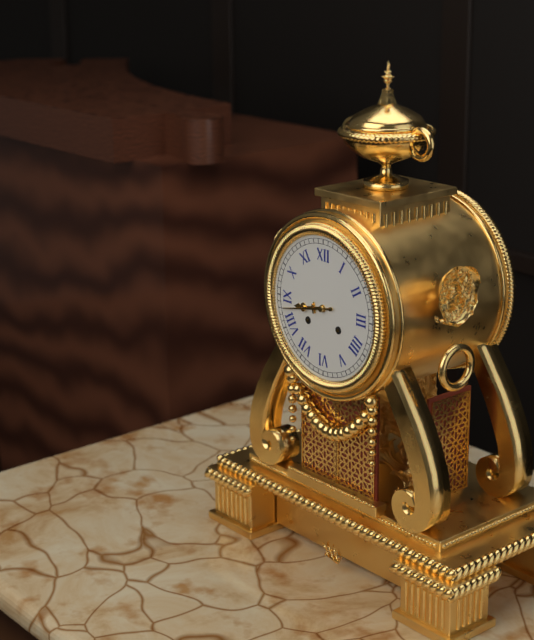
8:43
